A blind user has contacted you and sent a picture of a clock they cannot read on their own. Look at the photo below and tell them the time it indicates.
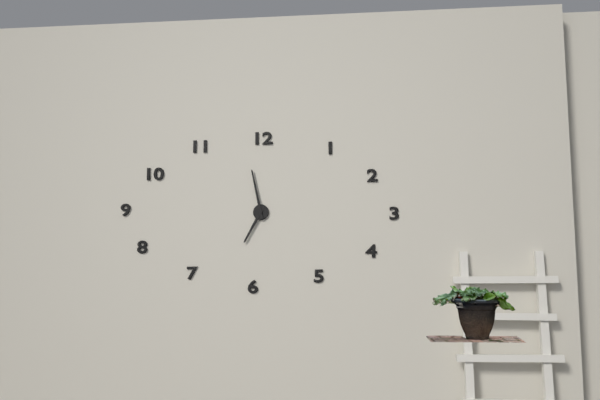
6:58
